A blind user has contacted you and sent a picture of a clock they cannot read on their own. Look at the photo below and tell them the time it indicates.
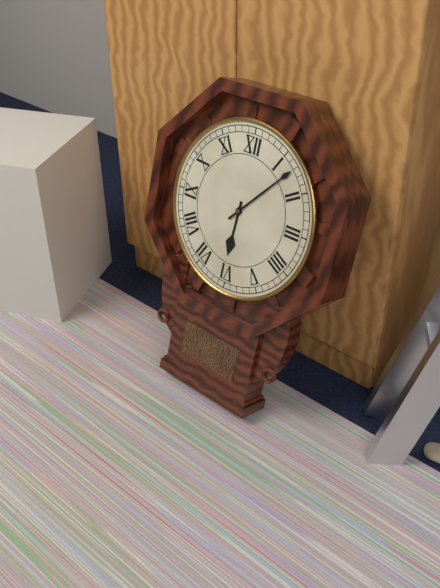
6:07
